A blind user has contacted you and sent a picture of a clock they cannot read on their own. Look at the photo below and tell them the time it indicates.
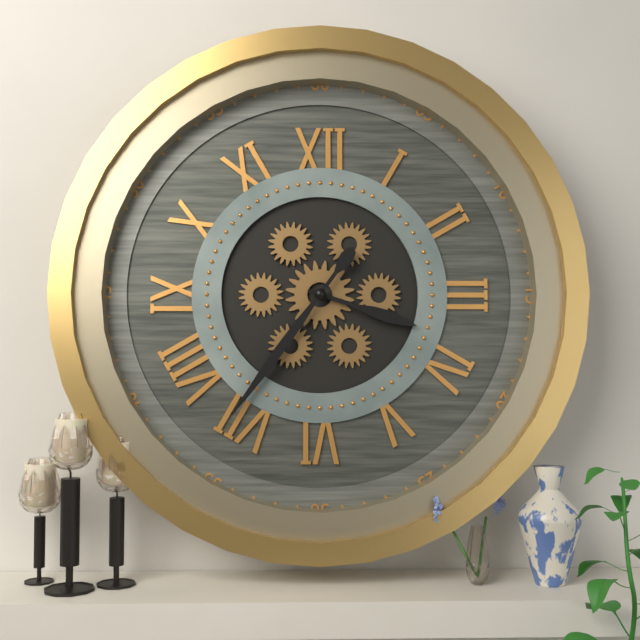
3:36
